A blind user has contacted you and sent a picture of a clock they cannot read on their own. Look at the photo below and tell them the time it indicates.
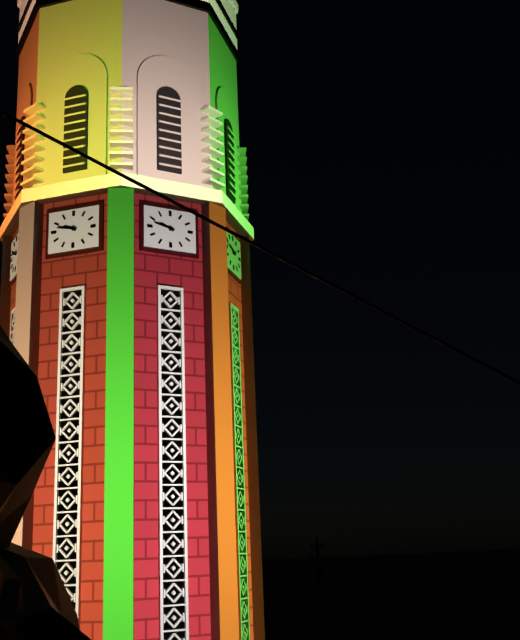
9:47
